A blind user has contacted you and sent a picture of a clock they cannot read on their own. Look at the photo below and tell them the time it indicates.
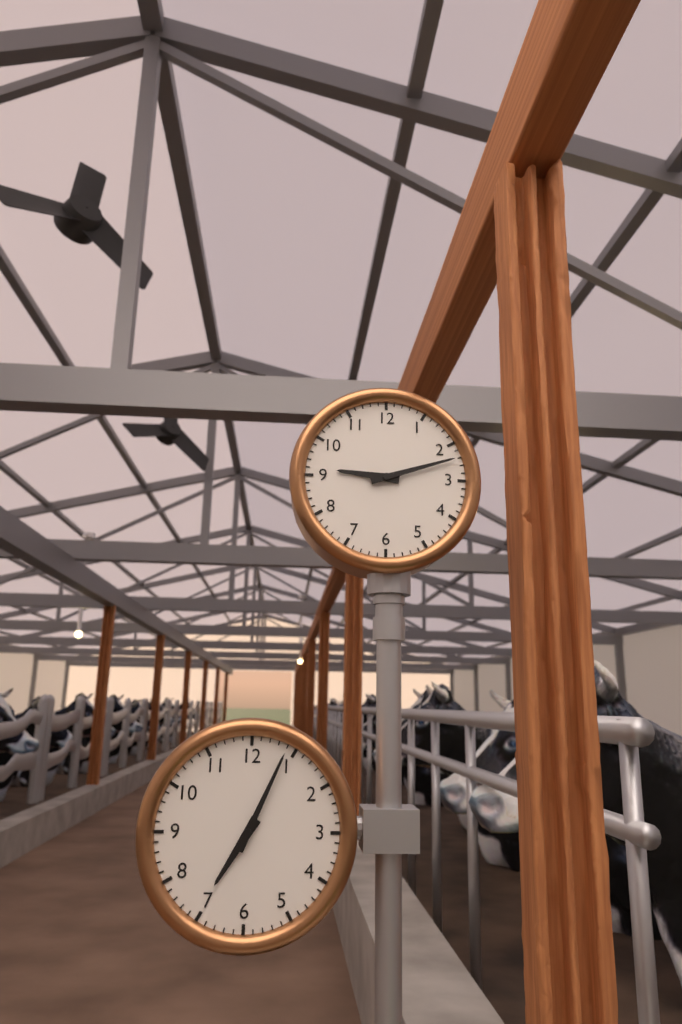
9:12
